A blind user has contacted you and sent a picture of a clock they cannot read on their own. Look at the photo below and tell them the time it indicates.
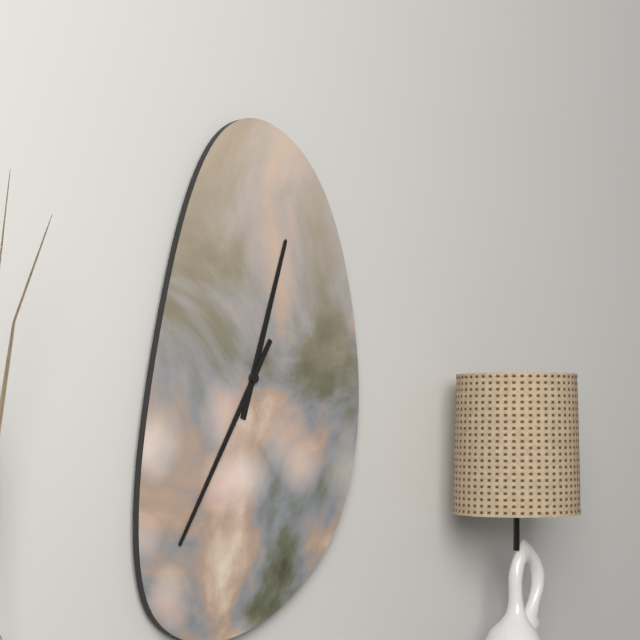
12:35
